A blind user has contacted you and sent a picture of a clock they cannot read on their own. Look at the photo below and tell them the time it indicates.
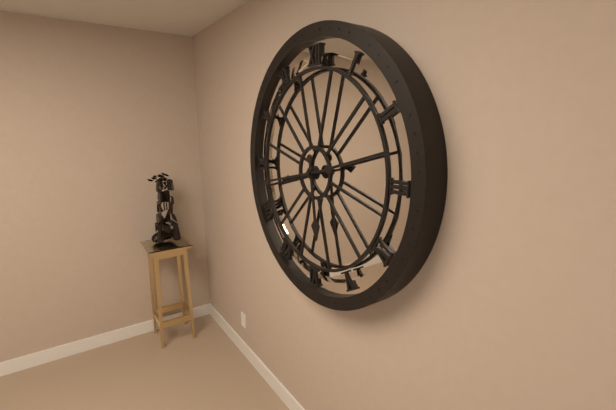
5:43
